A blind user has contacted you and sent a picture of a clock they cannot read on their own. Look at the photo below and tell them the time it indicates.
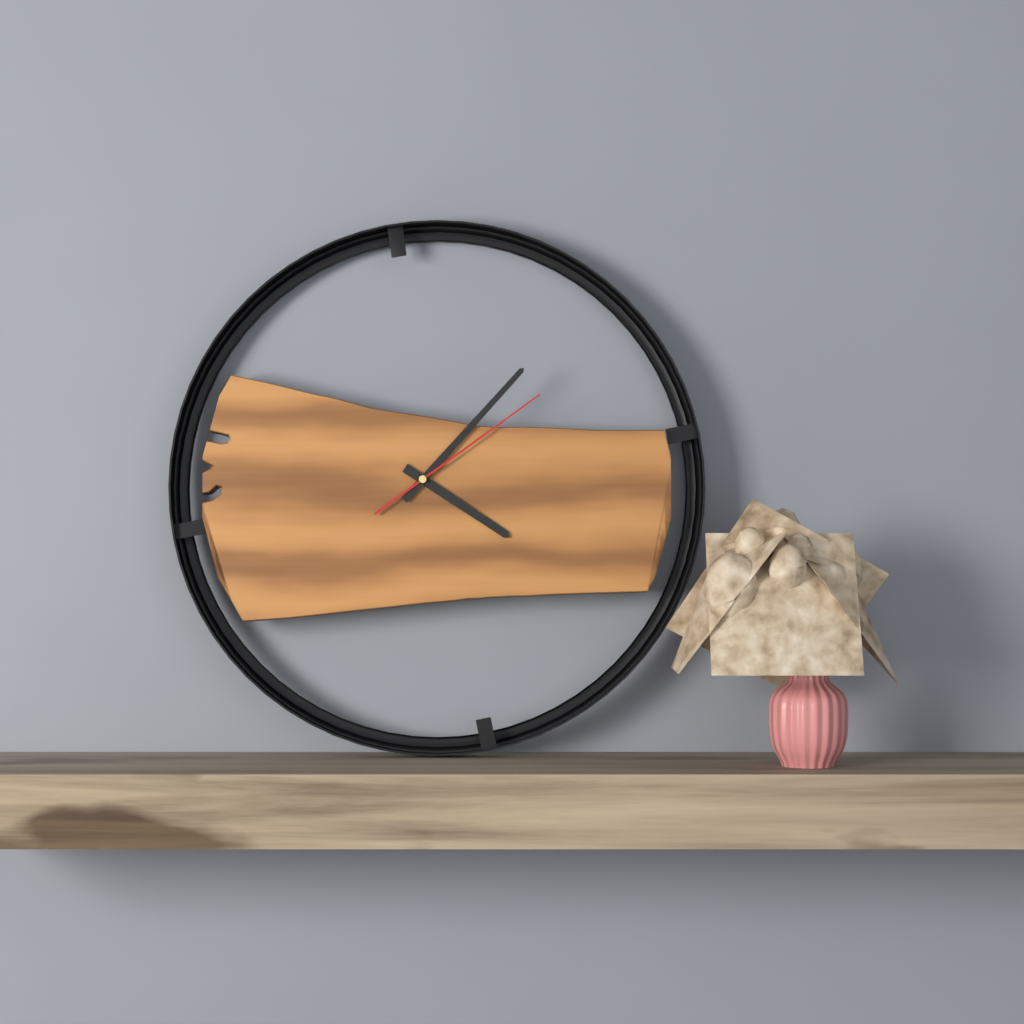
4:07:09
